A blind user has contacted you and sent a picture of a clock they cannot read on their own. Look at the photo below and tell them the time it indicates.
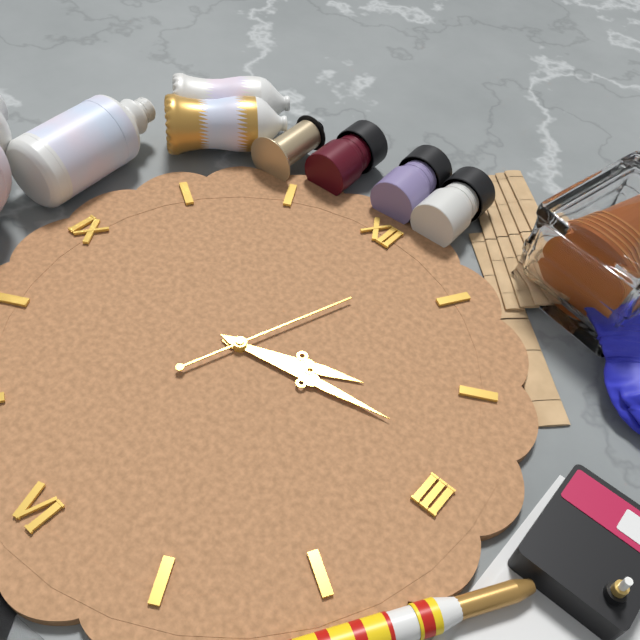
2:13:03
